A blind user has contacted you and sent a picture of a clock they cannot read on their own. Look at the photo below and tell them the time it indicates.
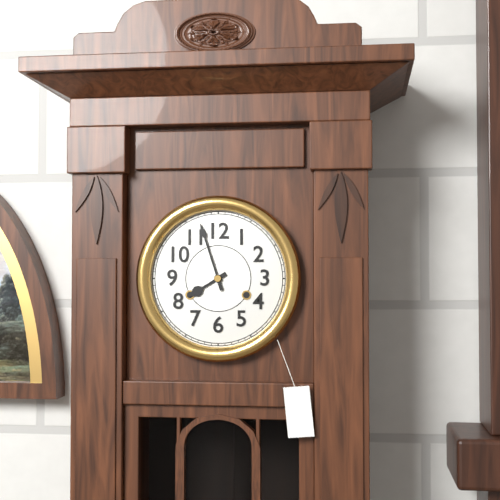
7:57
